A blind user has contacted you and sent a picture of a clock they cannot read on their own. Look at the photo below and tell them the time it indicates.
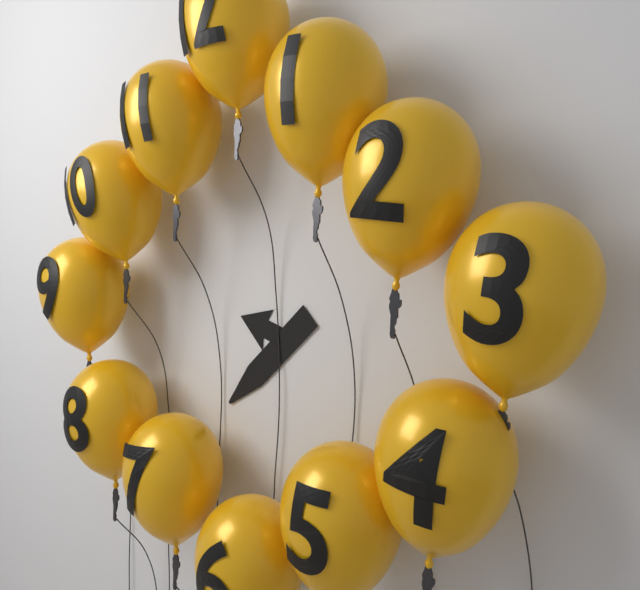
9:38
